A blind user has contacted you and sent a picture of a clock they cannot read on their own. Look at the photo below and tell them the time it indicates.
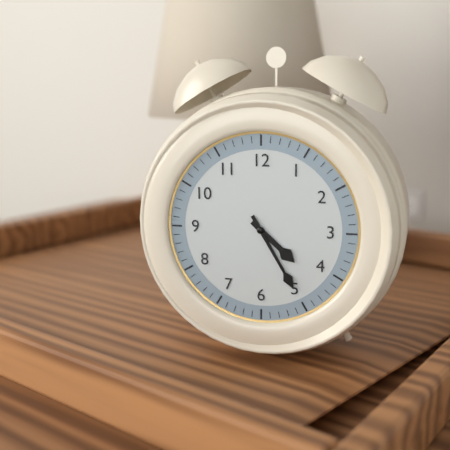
4:25
